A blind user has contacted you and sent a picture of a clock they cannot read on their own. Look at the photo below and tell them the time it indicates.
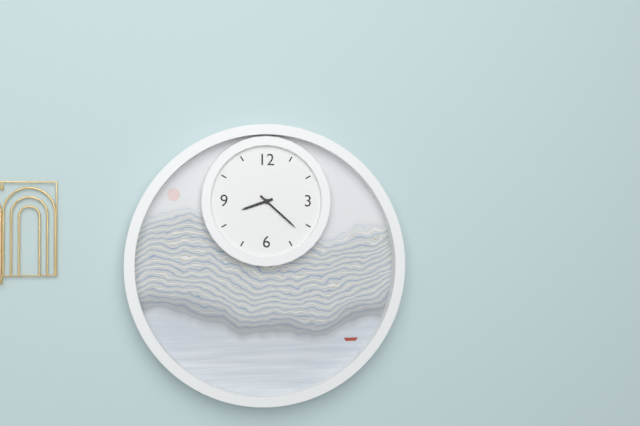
8:22
